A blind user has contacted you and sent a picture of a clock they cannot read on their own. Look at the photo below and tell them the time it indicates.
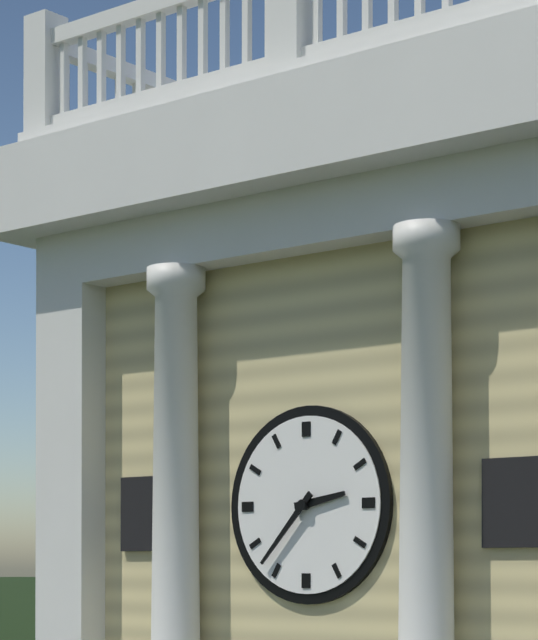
2:37
